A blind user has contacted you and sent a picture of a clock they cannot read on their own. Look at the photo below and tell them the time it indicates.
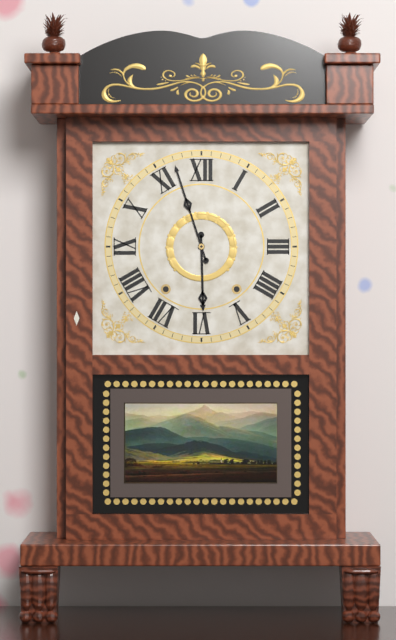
5:57
